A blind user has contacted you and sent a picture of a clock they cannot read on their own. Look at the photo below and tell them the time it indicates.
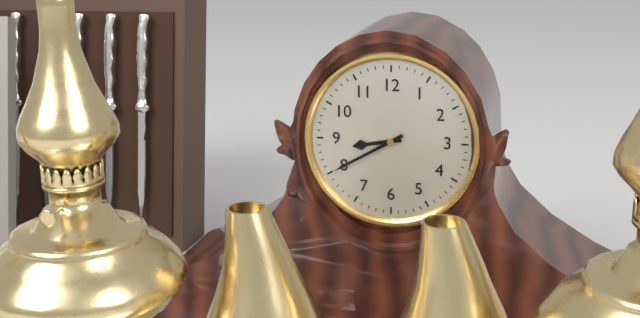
8:40
